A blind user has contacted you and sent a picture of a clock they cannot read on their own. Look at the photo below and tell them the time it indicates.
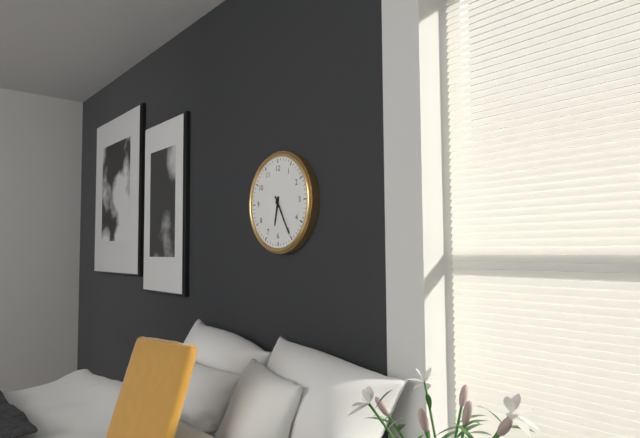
6:25
